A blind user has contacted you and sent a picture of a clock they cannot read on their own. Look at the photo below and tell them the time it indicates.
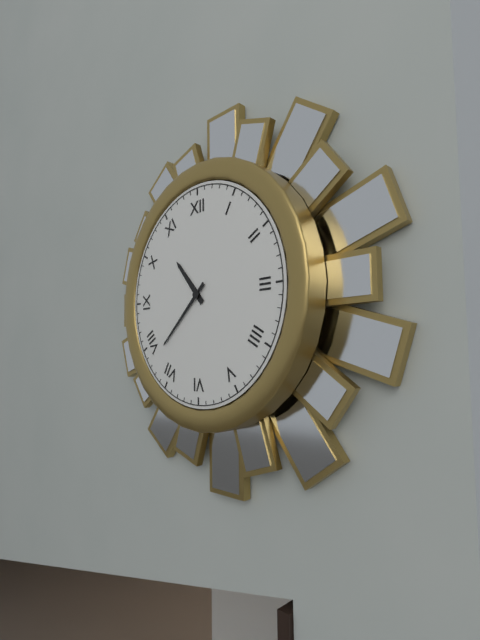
10:38
